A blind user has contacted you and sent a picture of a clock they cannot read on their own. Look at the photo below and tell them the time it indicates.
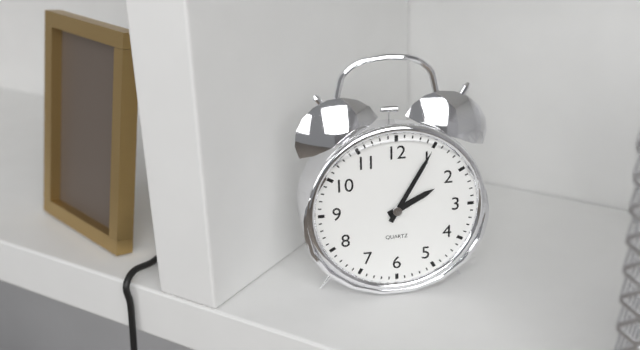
2:05
